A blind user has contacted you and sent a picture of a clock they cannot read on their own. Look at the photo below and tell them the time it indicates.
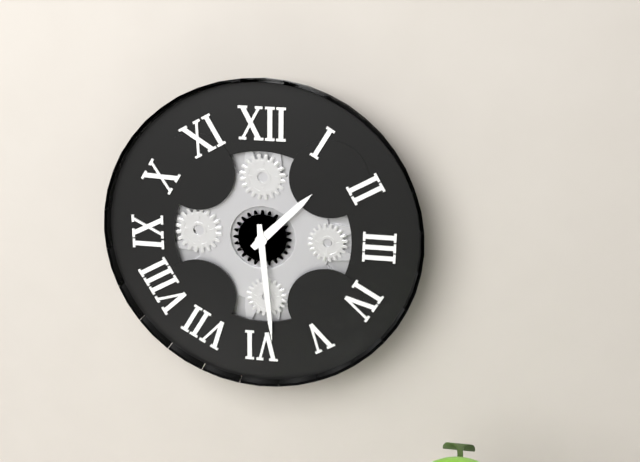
1:29
